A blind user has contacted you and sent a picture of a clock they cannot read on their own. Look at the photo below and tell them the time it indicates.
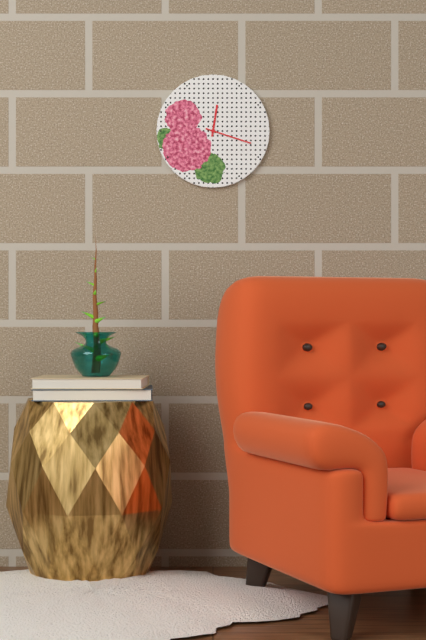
12:18
